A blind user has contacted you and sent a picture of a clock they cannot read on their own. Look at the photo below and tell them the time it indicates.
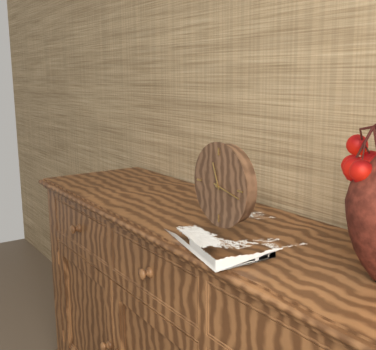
11:17
